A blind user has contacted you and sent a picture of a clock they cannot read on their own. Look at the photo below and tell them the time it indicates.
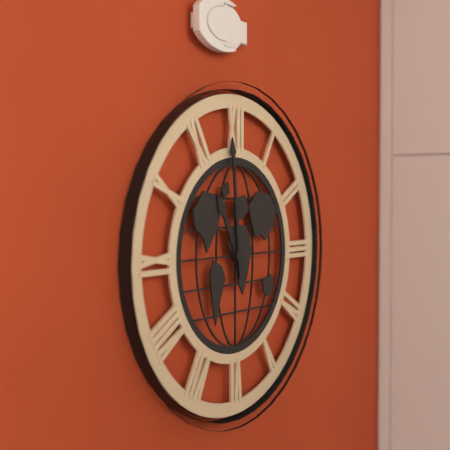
10:59
